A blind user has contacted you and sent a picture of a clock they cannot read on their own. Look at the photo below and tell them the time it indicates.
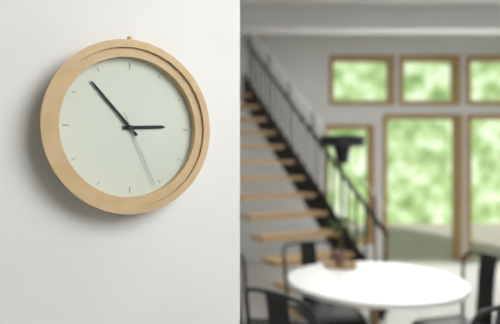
2:53:26
